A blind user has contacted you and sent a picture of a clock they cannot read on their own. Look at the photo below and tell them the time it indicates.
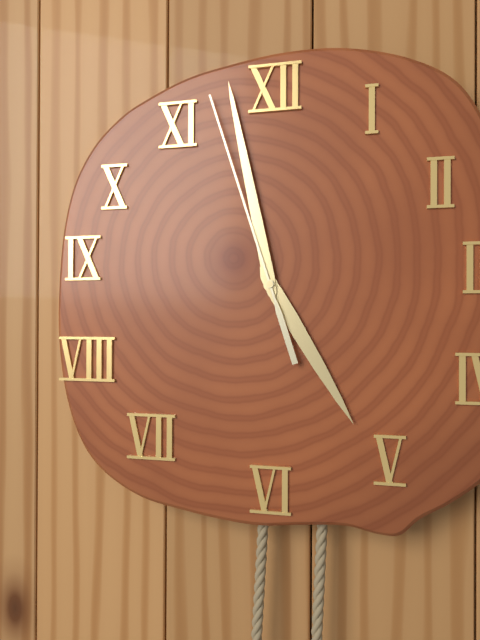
4:58:57
